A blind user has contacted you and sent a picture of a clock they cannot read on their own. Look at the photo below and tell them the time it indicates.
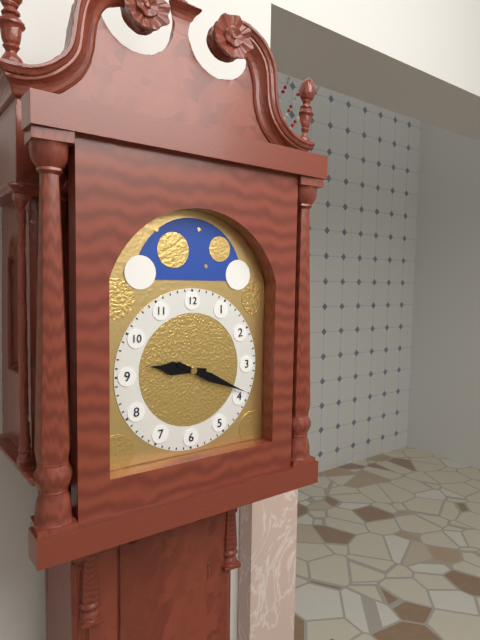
9:19
